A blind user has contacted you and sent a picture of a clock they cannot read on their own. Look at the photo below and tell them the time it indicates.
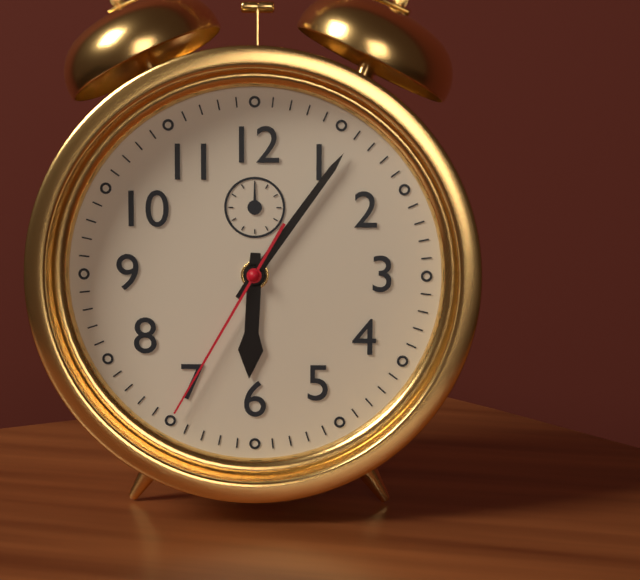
6:06:35
